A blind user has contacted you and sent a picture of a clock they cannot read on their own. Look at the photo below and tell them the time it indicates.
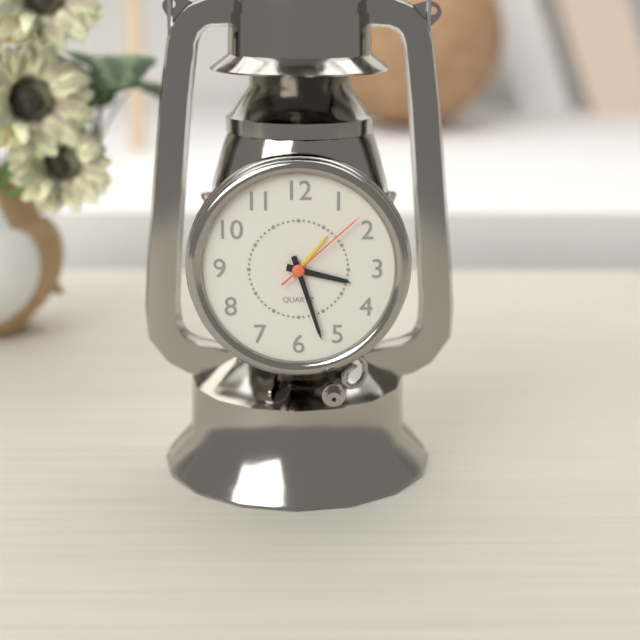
3:27:08
